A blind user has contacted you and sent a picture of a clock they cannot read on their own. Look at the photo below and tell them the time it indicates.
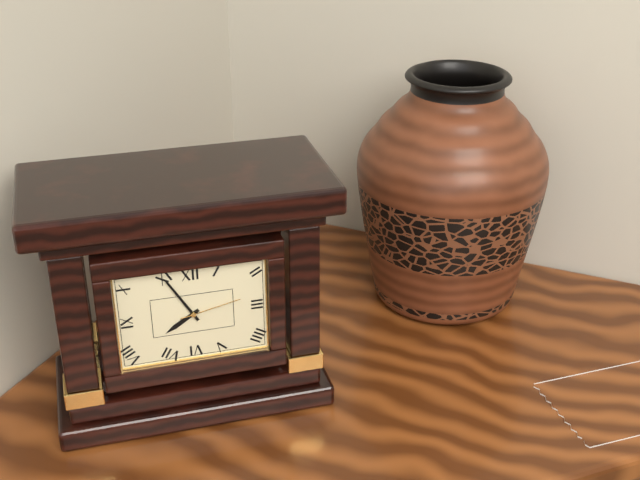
7:55:13
